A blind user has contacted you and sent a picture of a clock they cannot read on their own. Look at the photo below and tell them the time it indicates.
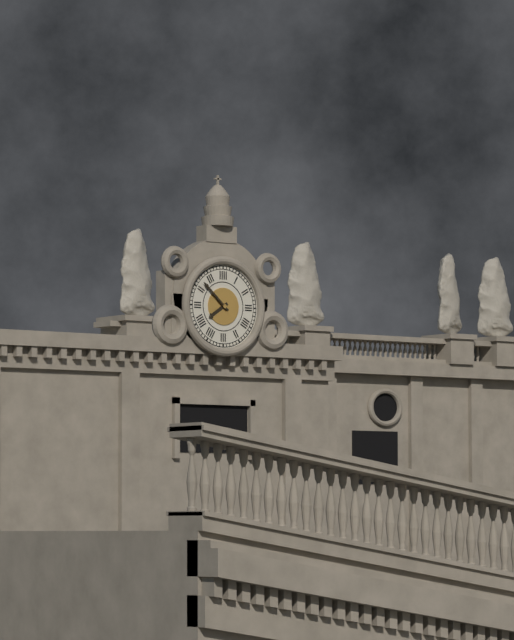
7:52
